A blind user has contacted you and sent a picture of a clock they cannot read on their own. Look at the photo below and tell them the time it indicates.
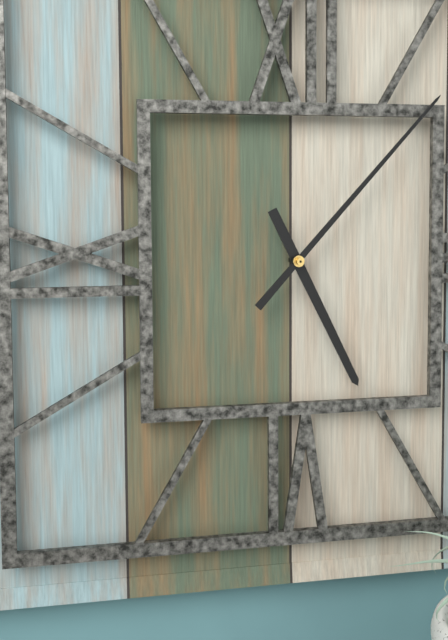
5:07
